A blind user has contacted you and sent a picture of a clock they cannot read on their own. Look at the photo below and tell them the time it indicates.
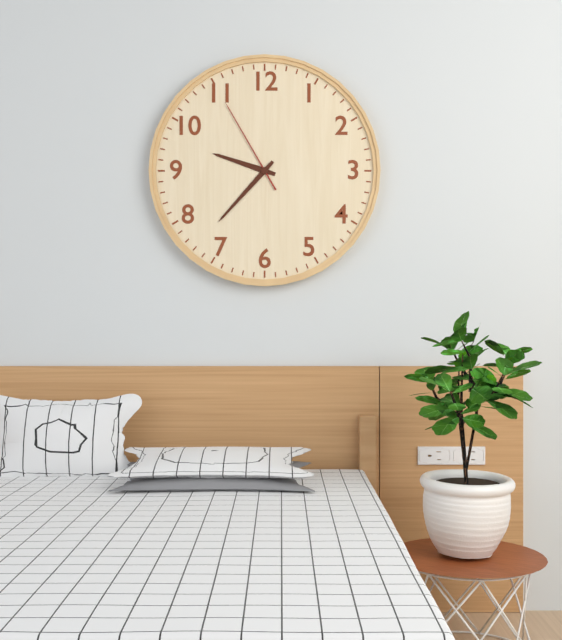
9:37:55
